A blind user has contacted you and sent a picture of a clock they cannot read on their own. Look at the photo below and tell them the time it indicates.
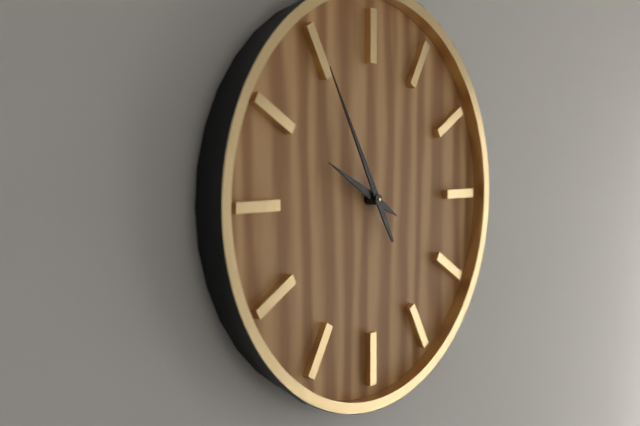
9:55
